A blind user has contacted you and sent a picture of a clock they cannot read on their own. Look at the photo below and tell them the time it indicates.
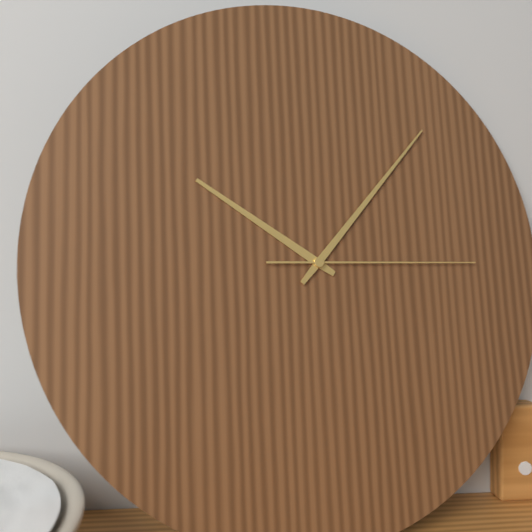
10:07:15
